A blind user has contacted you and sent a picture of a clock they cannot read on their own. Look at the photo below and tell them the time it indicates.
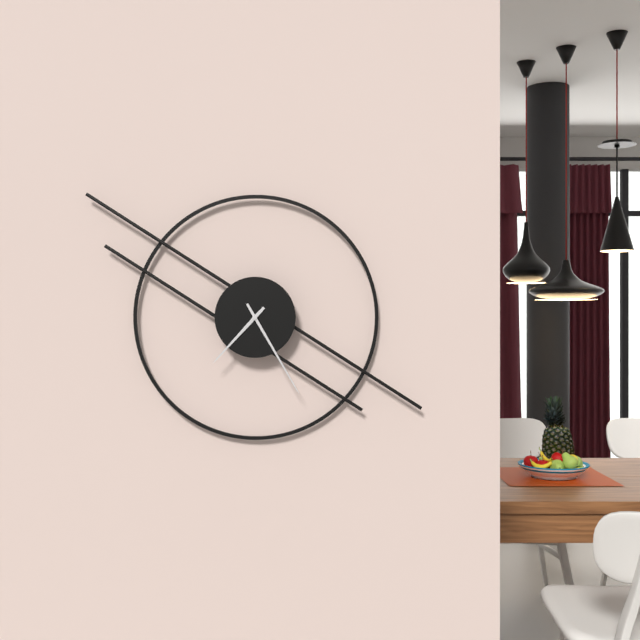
7:25
